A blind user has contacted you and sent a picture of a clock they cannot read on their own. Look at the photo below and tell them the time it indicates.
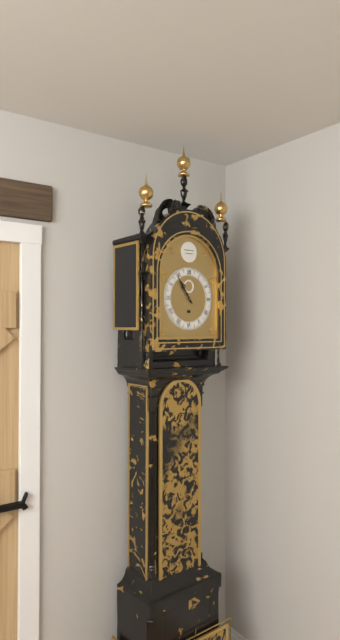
10:54
